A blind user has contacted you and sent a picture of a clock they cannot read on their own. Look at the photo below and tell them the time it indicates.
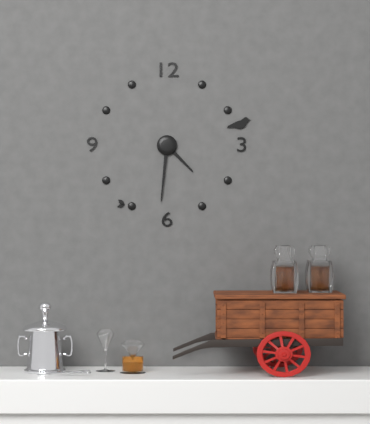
4:31
